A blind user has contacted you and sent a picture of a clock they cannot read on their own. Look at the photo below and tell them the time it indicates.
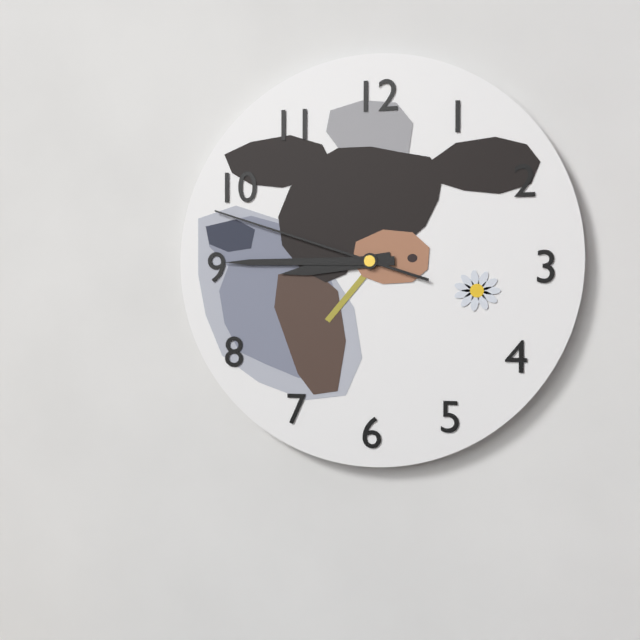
8:45:48
